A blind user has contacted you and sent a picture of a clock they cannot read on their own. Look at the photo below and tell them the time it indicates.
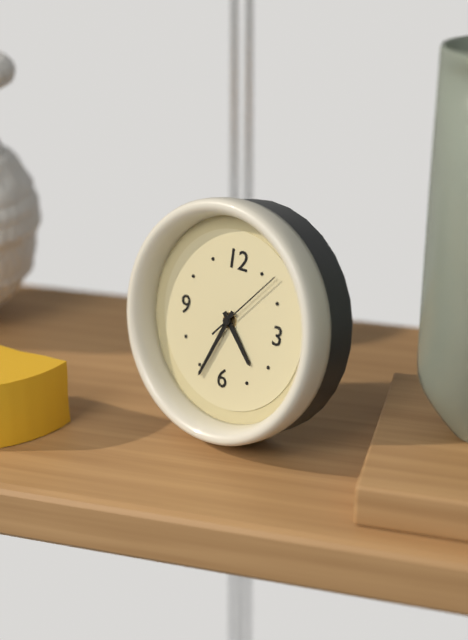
4:34:07
